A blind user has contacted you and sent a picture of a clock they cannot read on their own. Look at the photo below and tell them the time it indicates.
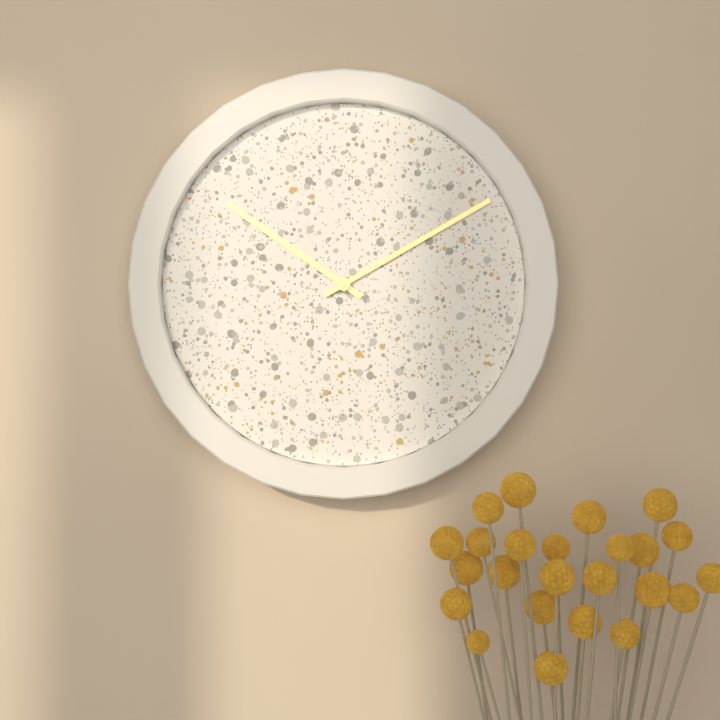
10:10
